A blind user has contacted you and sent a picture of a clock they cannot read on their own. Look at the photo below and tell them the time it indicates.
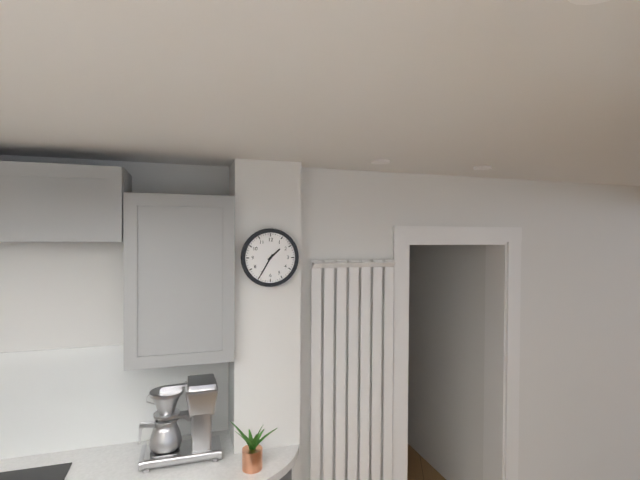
1:35
